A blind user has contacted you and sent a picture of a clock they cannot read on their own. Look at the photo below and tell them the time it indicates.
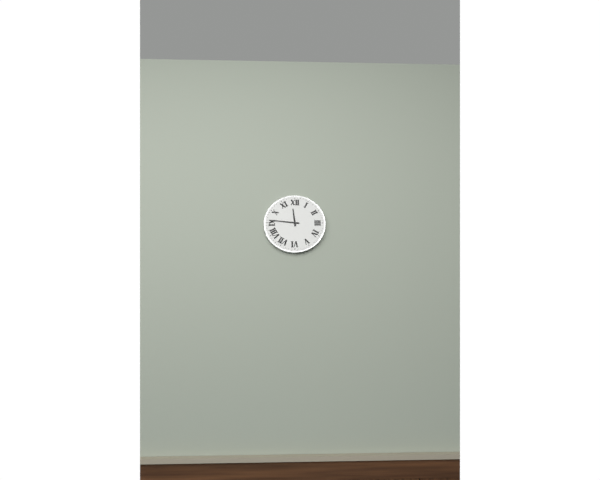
11:46
